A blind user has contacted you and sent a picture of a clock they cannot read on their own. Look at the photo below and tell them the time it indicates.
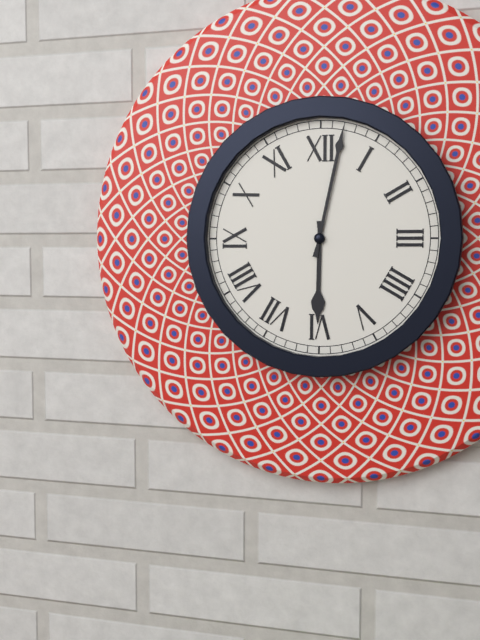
6:02
